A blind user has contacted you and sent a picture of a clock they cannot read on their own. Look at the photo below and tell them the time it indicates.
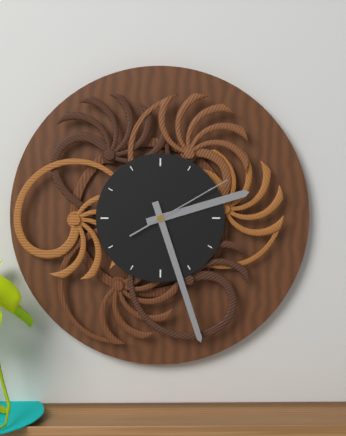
2:27:10
